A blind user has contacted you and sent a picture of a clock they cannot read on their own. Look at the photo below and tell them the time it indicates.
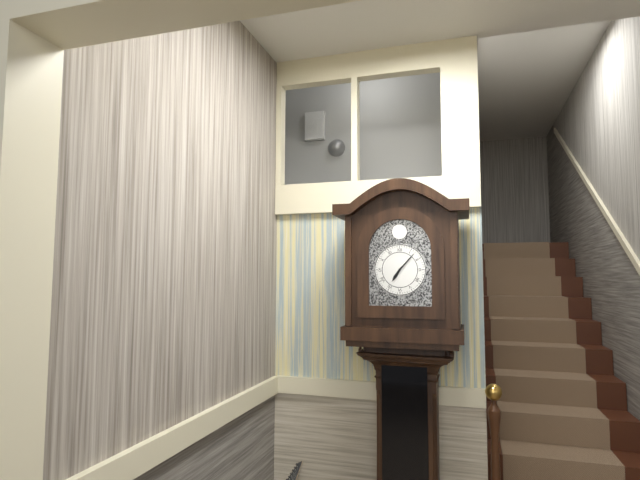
7:07
